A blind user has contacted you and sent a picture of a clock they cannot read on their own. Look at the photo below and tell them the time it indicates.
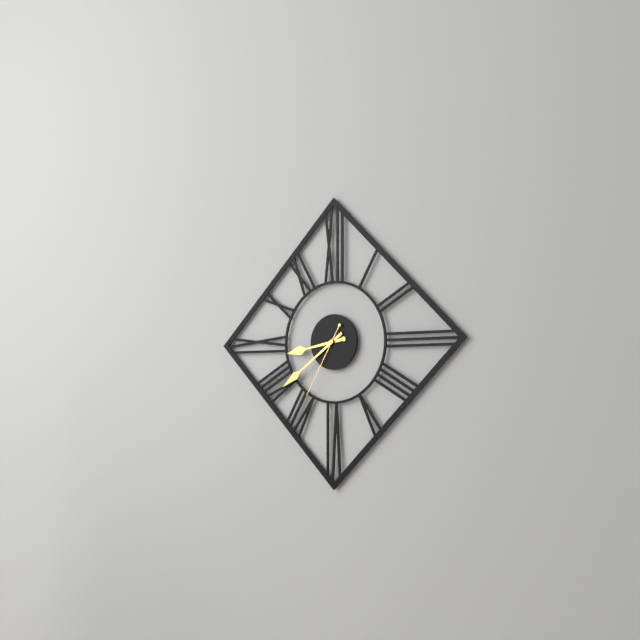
8:39:35
